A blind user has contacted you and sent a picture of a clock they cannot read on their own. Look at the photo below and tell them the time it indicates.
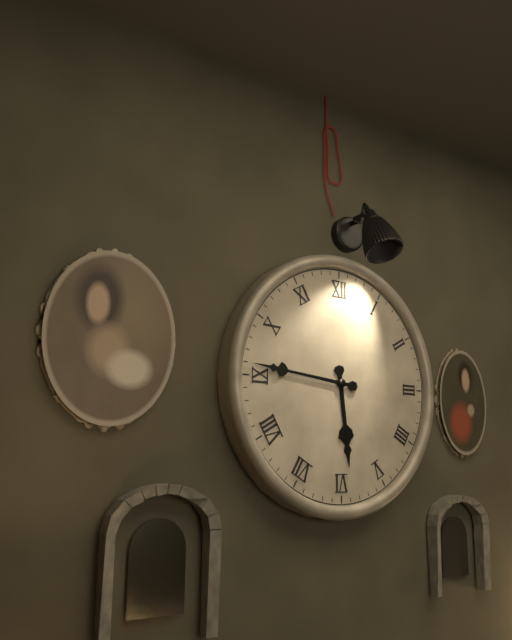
5:46
